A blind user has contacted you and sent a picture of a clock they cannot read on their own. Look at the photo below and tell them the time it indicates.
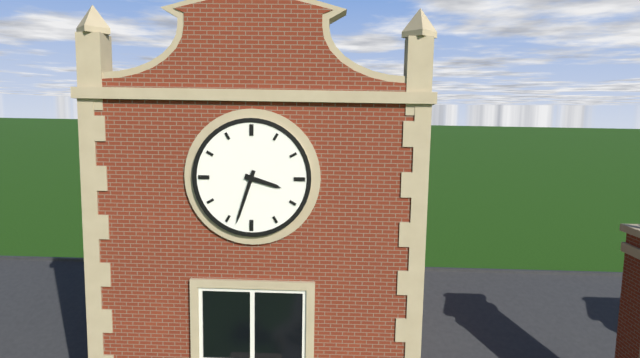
3:33
